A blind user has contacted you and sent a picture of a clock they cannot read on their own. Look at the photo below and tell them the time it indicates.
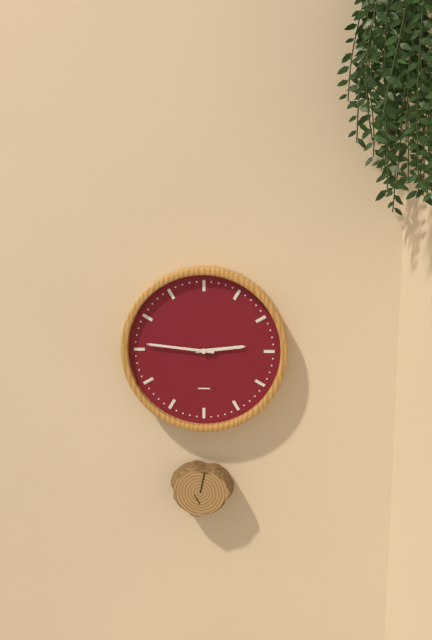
2:46
